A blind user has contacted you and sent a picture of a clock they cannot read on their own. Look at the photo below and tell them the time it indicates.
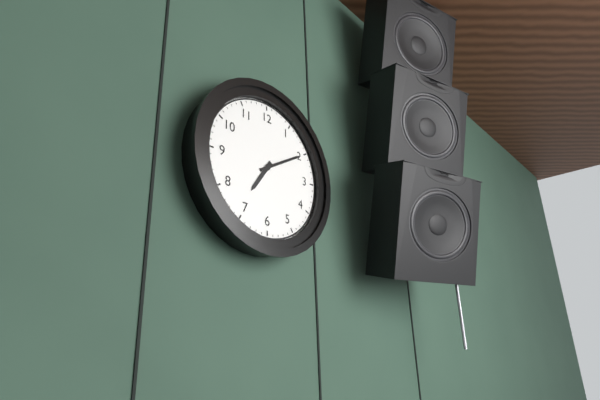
7:10
